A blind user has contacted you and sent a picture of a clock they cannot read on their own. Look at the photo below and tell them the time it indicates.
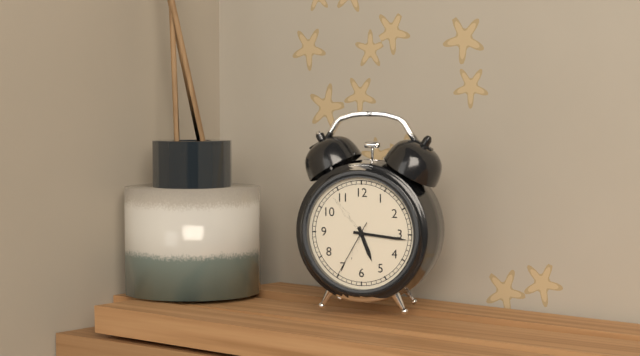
5:16:35
